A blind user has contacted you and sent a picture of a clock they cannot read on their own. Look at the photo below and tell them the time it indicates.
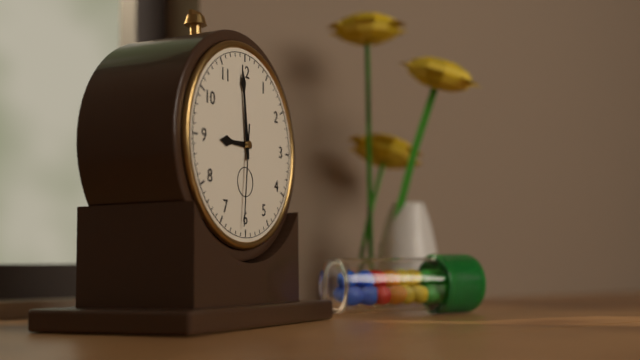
8:59:31
